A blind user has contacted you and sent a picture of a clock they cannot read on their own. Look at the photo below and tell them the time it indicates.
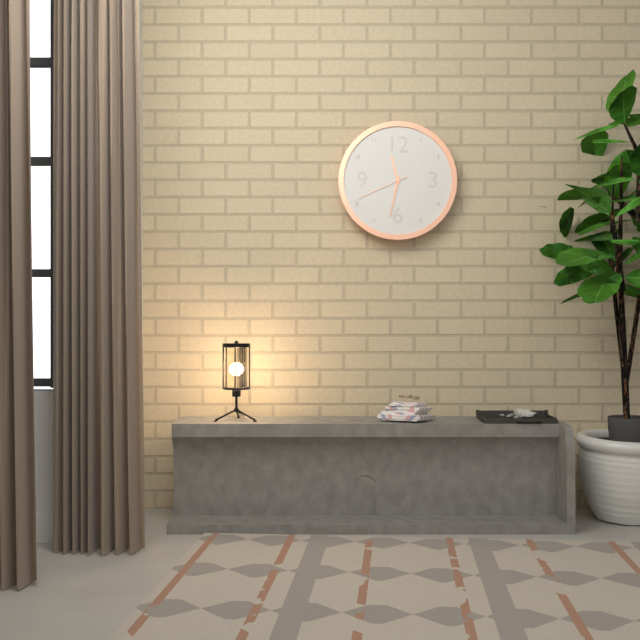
11:32:41
